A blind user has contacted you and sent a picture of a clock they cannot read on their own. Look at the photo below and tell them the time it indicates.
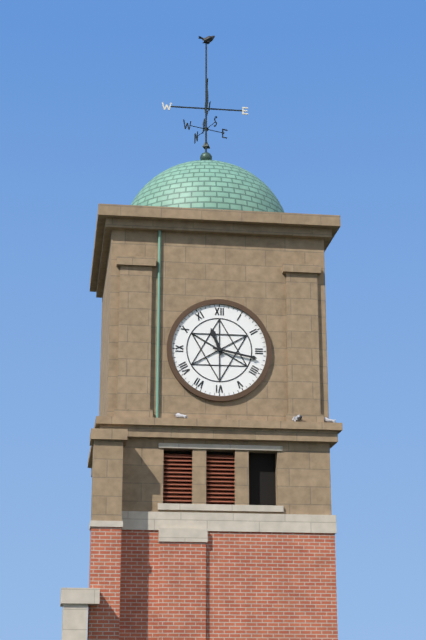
11:17
